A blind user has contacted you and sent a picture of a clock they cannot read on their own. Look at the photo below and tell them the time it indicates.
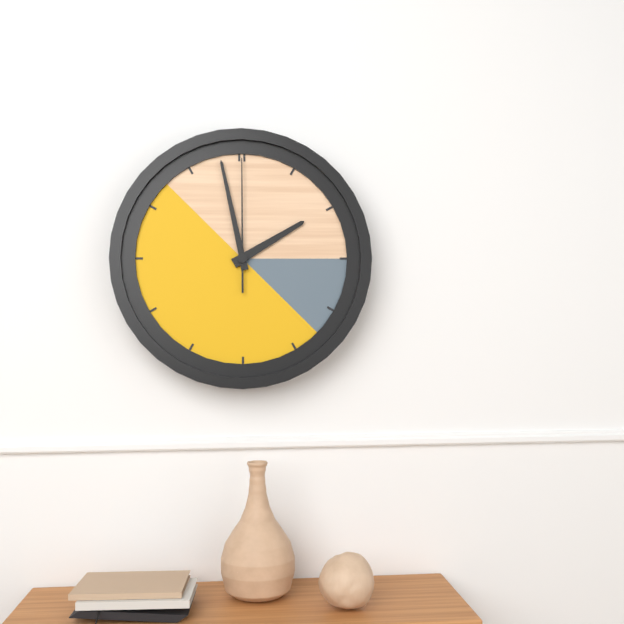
1:58:00
